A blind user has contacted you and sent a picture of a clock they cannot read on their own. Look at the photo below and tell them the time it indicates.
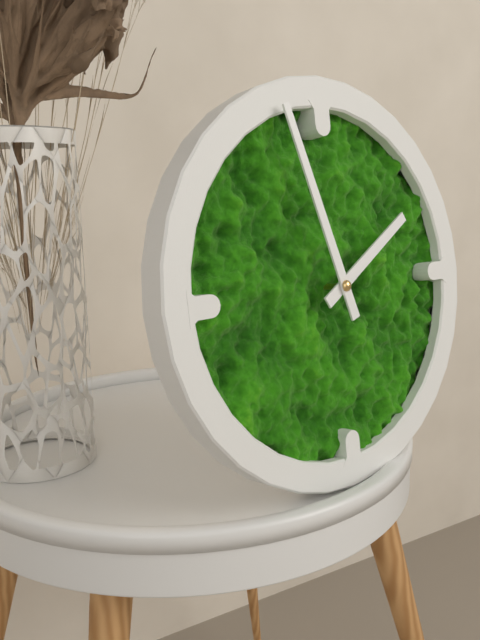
1:57
